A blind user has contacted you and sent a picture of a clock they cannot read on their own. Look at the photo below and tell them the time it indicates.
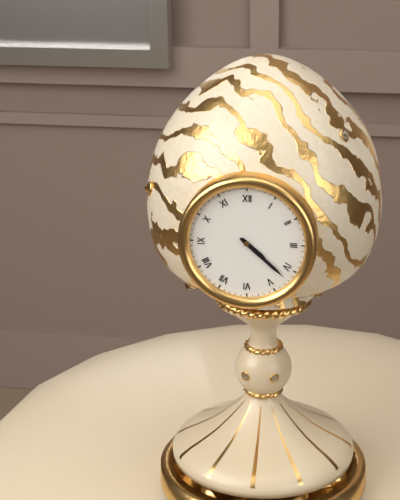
4:22
